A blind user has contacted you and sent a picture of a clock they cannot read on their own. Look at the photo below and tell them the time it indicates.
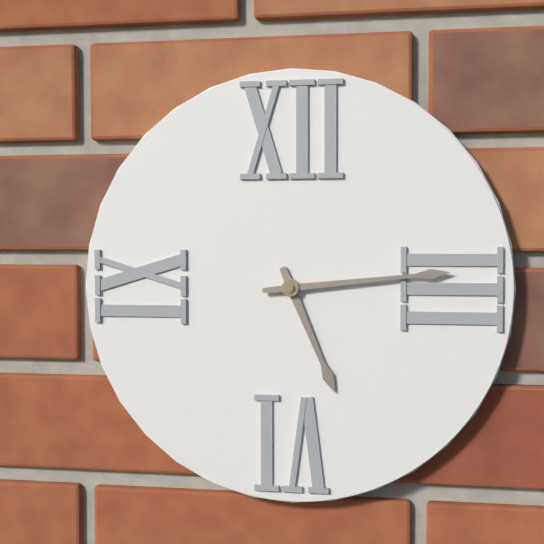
5:14
